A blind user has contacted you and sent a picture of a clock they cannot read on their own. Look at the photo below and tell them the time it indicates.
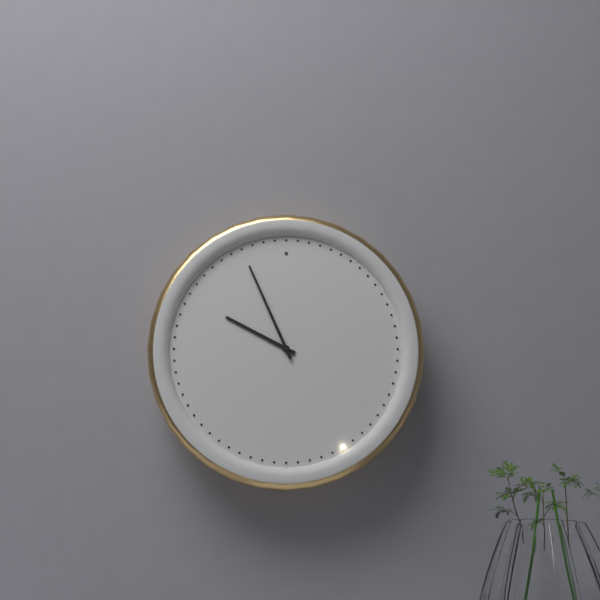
9:56
